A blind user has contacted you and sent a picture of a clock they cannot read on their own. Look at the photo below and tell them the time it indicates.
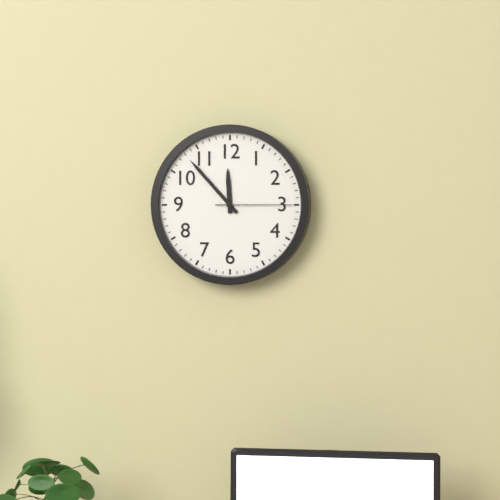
11:53:15
